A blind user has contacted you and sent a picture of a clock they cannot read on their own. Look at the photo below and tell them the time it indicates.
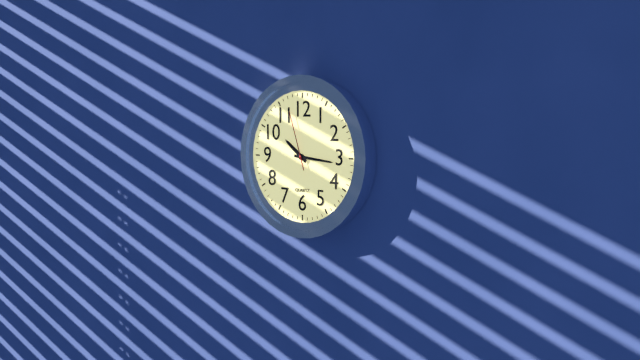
10:16:57
